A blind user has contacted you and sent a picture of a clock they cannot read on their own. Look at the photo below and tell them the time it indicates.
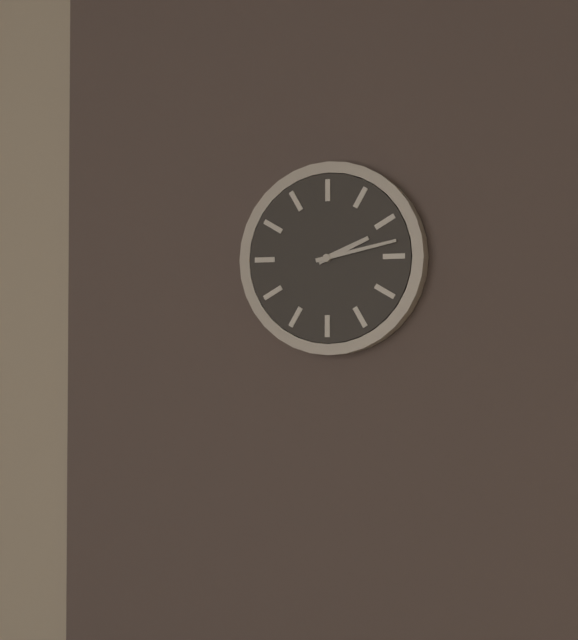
2:13
